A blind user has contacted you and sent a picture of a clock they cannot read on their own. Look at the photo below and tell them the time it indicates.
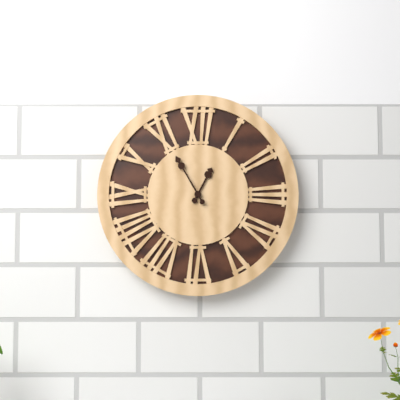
12:55
